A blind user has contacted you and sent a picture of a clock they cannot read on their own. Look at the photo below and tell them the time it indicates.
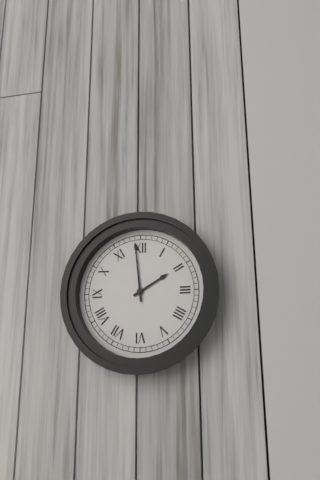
1:59
